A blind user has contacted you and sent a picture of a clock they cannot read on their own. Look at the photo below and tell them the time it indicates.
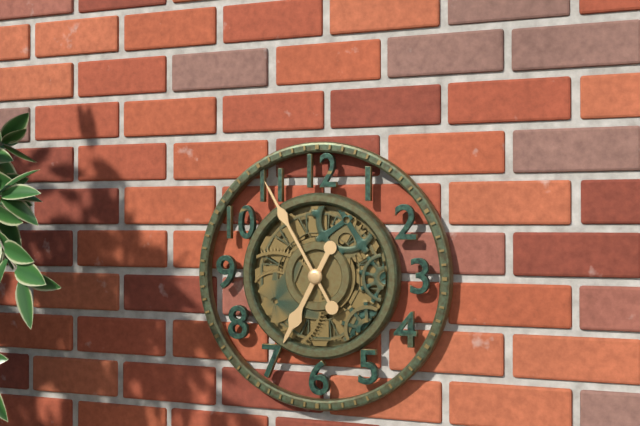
6:55
